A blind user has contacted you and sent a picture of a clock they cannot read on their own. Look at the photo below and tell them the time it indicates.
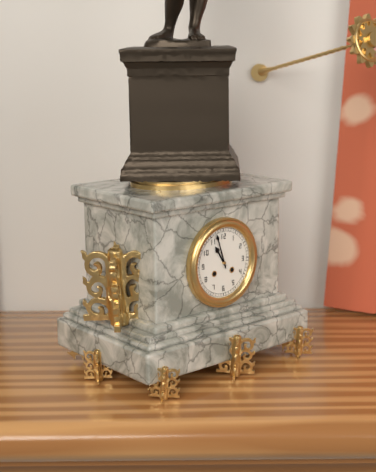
10:57
